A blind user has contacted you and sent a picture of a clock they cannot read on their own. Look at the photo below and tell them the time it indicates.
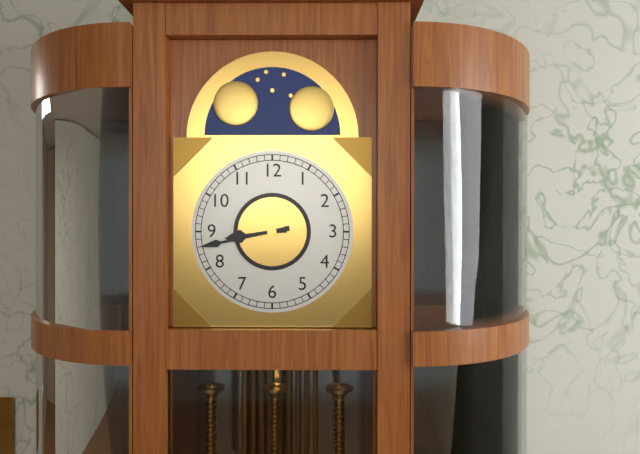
8:43
